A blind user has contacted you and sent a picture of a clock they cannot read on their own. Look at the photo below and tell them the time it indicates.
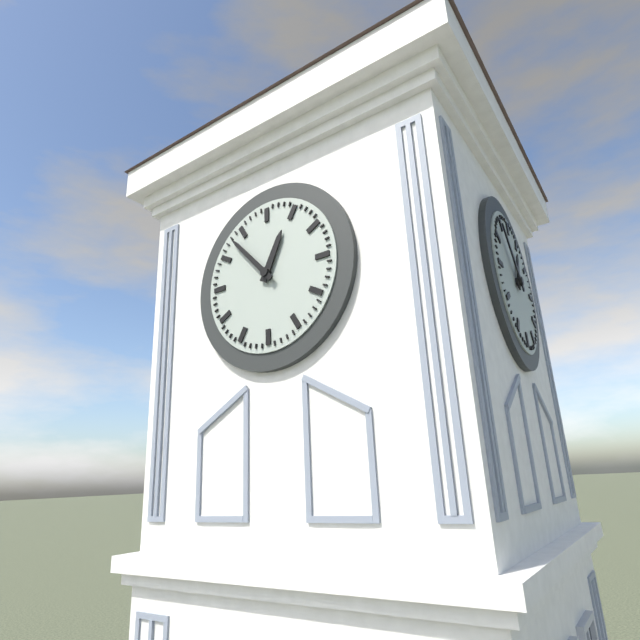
12:53
